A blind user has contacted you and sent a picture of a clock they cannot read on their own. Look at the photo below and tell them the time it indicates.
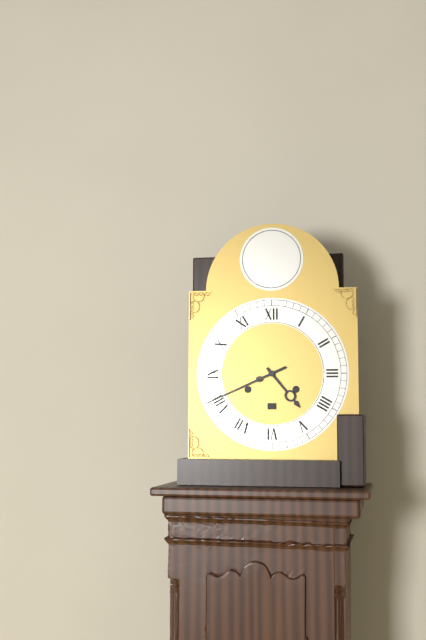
4:41
